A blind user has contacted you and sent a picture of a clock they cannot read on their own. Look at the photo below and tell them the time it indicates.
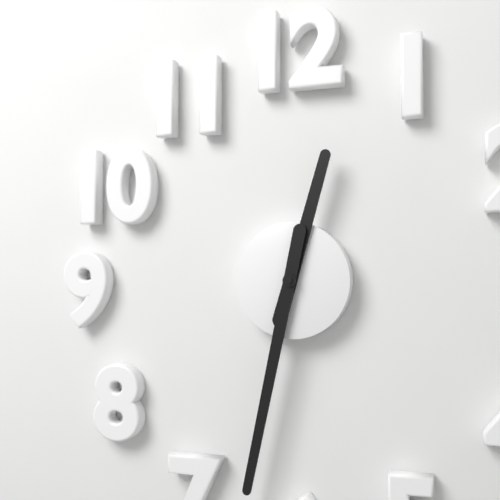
12:32
